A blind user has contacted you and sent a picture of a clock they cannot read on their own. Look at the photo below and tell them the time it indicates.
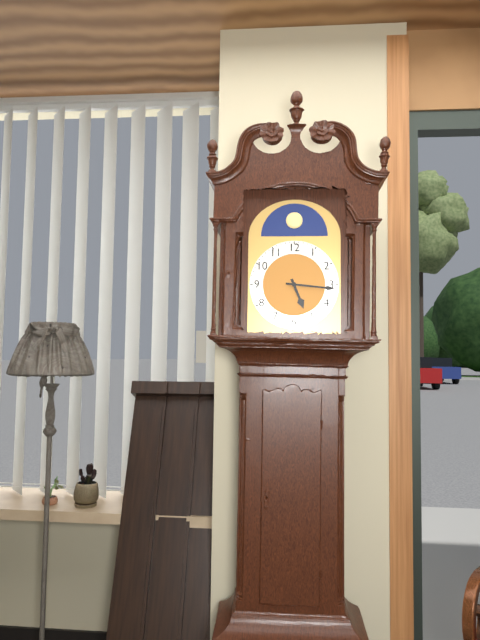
5:16
